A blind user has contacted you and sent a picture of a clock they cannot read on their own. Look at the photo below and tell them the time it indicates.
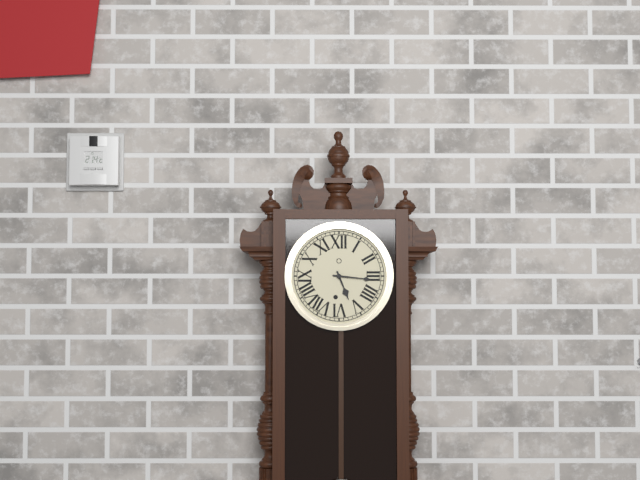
5:16
